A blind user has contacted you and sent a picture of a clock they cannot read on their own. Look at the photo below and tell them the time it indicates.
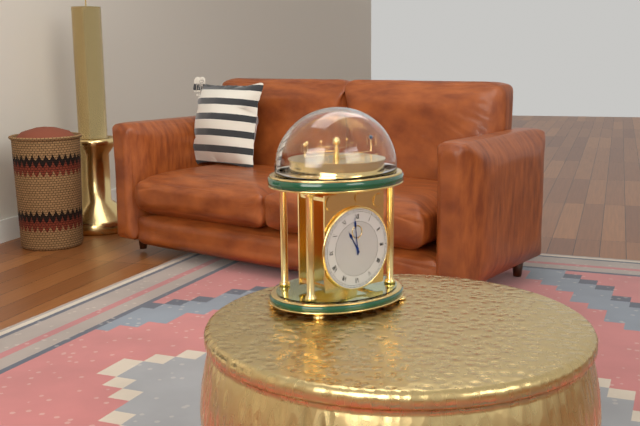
10:59
